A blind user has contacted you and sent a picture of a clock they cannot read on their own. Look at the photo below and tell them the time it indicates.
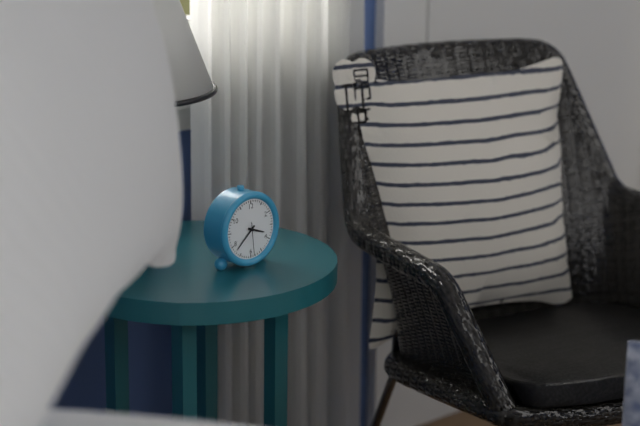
3:38
